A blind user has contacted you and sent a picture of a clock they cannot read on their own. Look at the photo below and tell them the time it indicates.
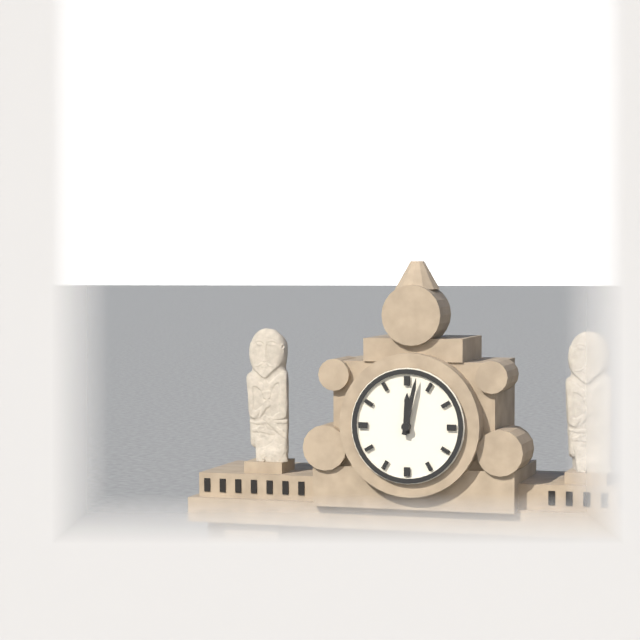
12:02
